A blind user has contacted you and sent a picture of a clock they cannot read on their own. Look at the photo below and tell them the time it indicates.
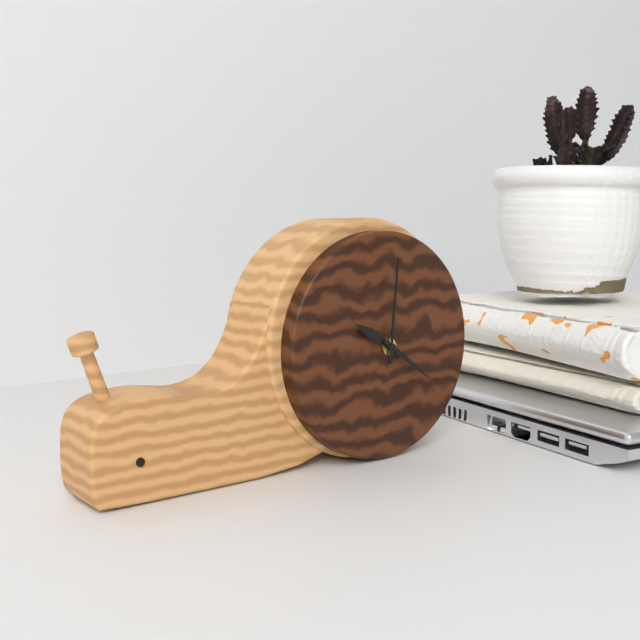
10:01:21
